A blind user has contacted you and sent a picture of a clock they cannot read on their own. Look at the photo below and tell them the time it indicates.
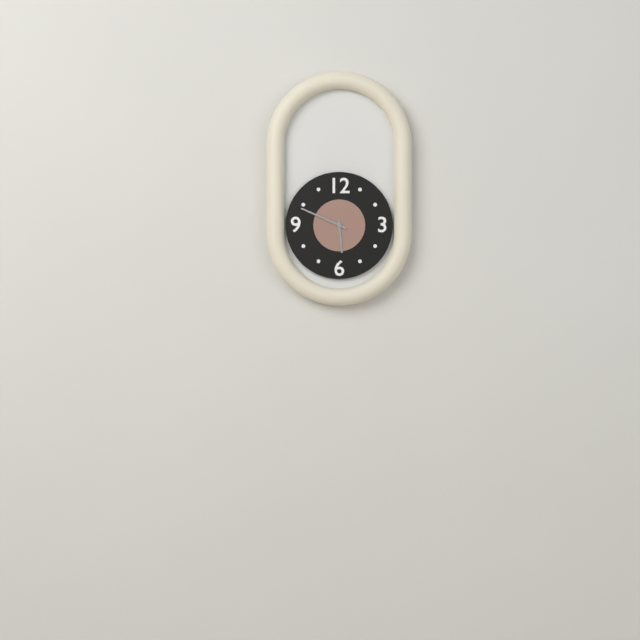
5:49
